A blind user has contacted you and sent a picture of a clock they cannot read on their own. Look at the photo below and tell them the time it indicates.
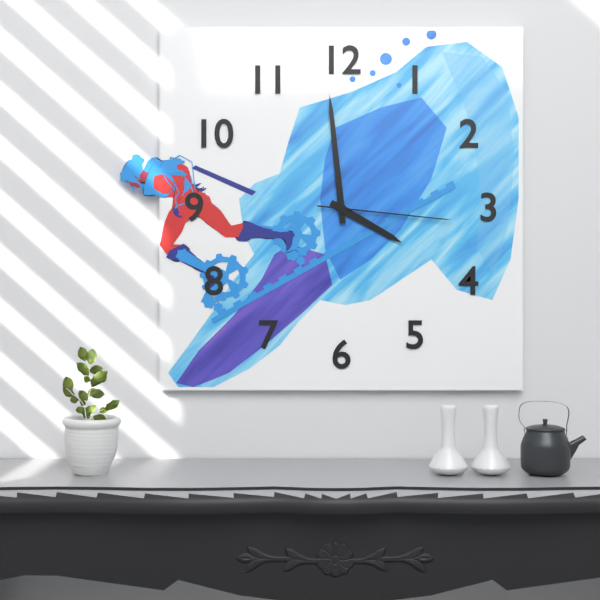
3:59:16
